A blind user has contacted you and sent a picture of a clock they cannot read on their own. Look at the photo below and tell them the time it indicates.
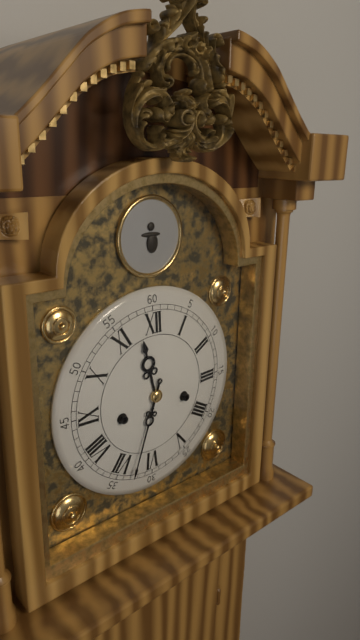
11:33
